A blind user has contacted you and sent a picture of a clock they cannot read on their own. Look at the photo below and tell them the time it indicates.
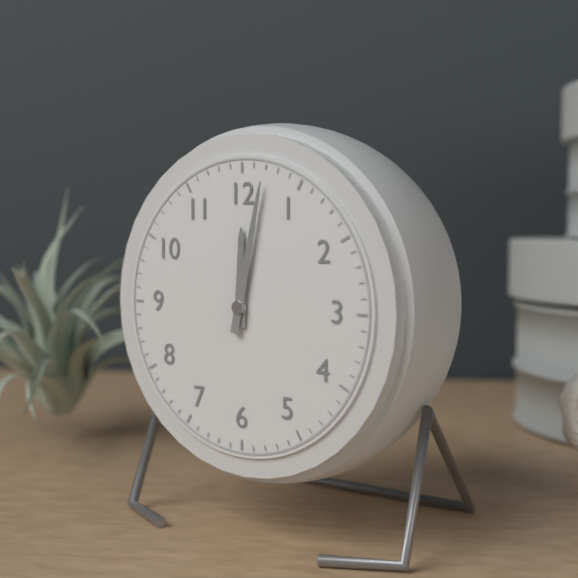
12:02
